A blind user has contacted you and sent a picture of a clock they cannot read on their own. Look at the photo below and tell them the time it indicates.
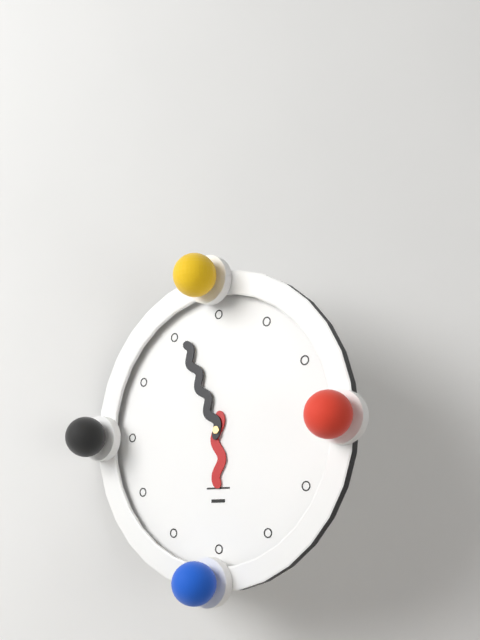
5:56
